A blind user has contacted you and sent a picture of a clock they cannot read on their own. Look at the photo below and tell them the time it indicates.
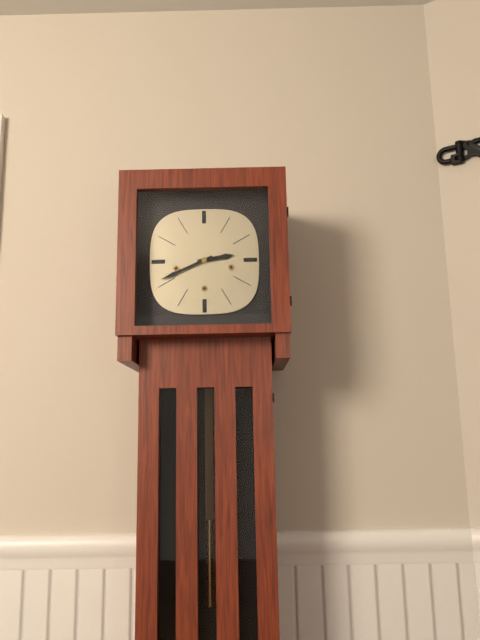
2:41
